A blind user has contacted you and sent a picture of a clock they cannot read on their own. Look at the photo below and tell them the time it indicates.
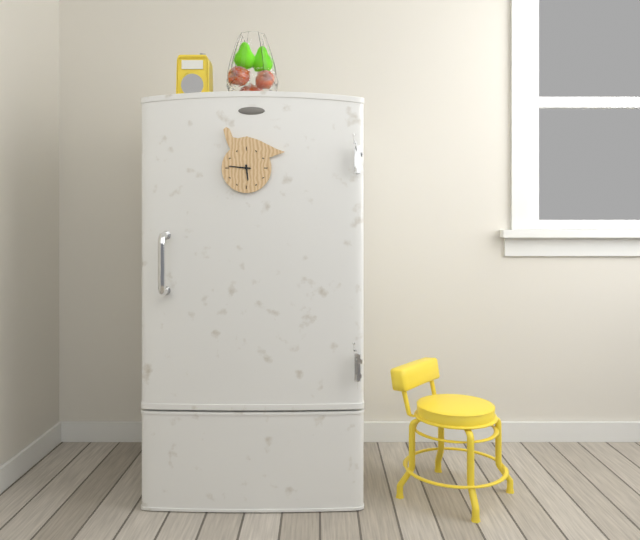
5:46
